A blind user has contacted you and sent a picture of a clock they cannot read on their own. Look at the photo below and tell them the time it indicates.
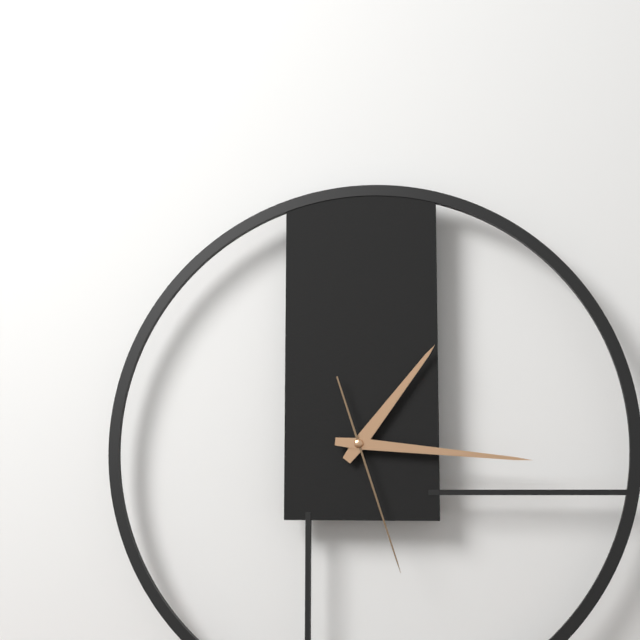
1:16:27
